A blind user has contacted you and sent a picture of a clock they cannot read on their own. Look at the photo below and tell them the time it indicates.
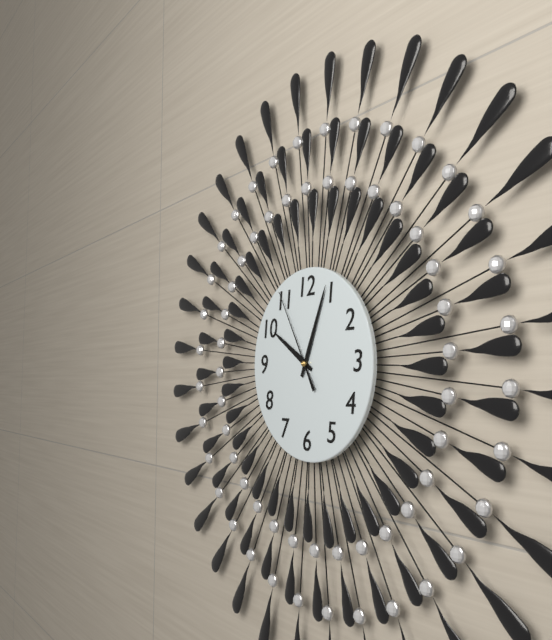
10:04:55
